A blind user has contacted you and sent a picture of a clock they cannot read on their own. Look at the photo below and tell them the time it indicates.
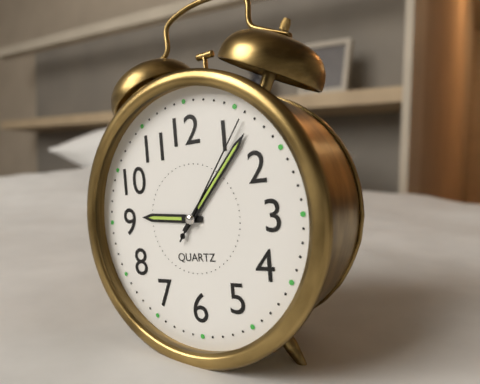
9:07:06
